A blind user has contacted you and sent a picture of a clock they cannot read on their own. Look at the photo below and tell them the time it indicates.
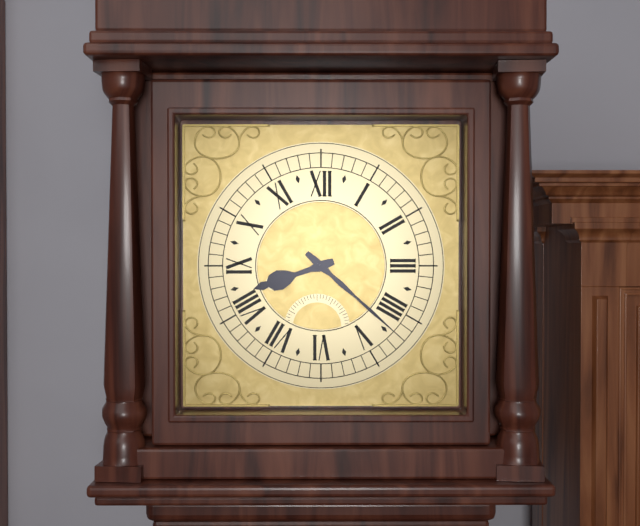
8:22
